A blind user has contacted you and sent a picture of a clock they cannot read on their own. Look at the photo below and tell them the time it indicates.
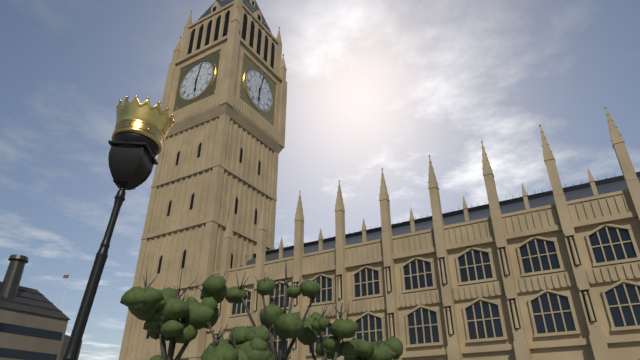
6:02
